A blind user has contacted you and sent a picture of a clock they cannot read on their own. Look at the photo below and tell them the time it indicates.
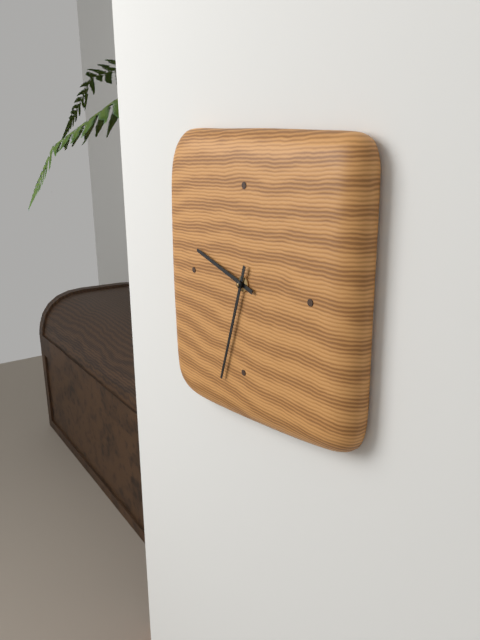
9:33
